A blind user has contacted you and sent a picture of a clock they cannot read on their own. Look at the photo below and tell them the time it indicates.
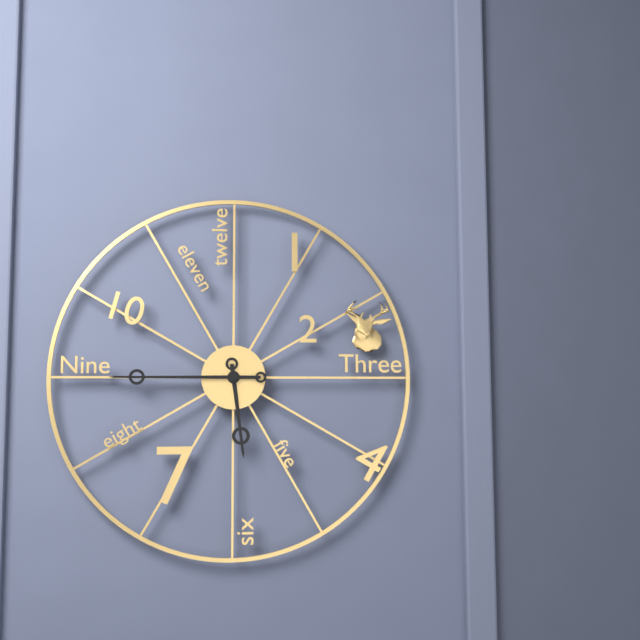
5:45
